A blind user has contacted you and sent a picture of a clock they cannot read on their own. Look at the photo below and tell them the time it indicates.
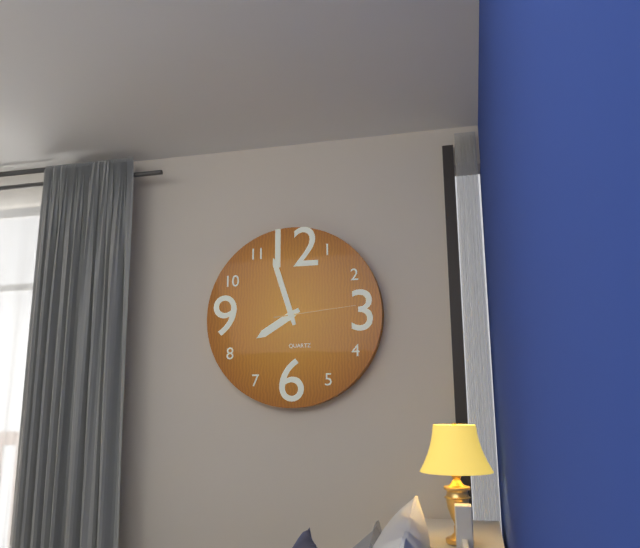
7:57:14
